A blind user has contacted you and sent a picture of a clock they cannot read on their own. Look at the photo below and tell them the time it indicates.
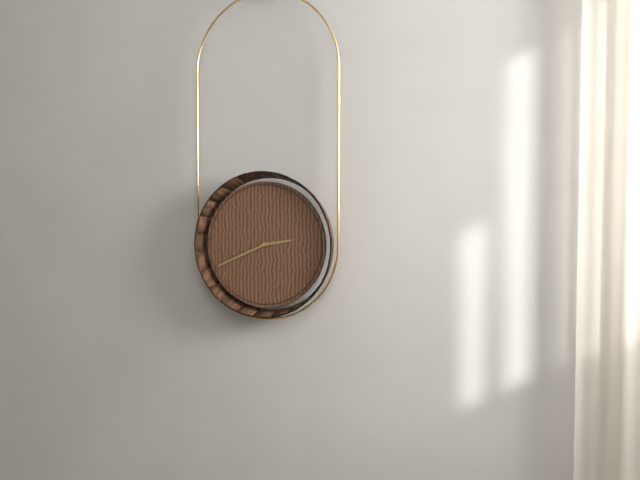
2:41
